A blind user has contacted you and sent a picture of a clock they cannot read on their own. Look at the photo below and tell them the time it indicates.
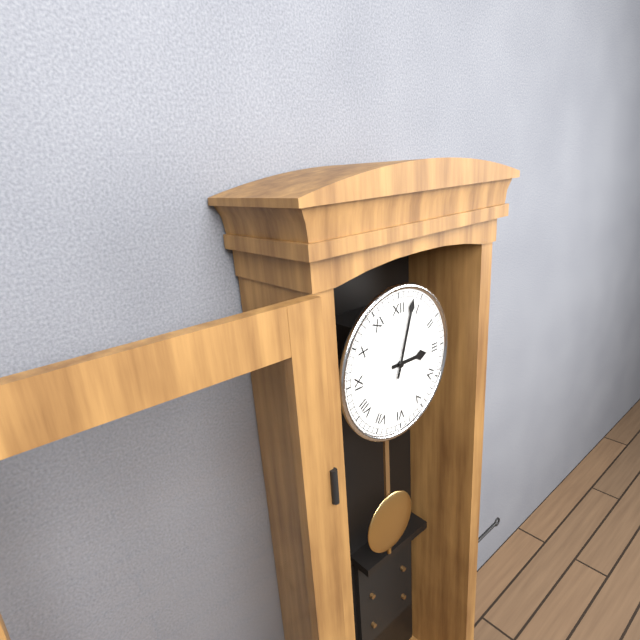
3:03
